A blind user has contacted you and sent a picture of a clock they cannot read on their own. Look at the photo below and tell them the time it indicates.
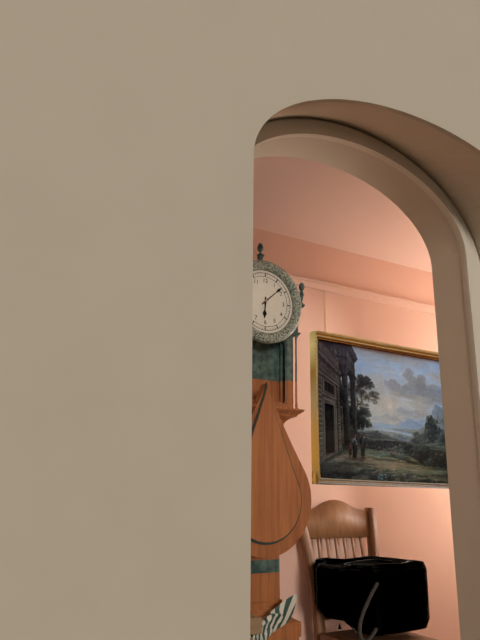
6:08
